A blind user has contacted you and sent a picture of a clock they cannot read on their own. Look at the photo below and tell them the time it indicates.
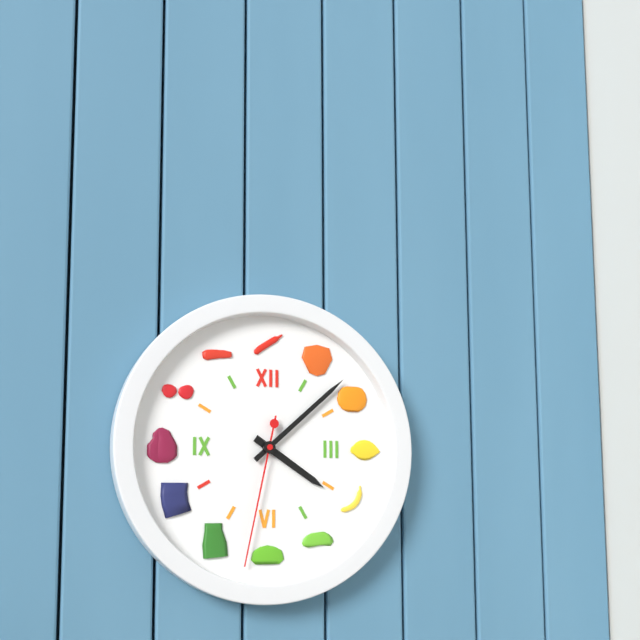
4:08:32
